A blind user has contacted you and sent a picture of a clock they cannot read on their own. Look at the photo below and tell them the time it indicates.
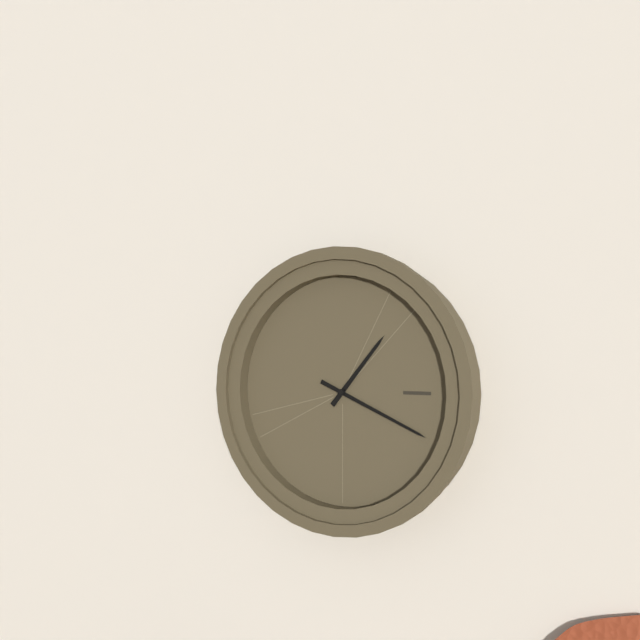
1:19
